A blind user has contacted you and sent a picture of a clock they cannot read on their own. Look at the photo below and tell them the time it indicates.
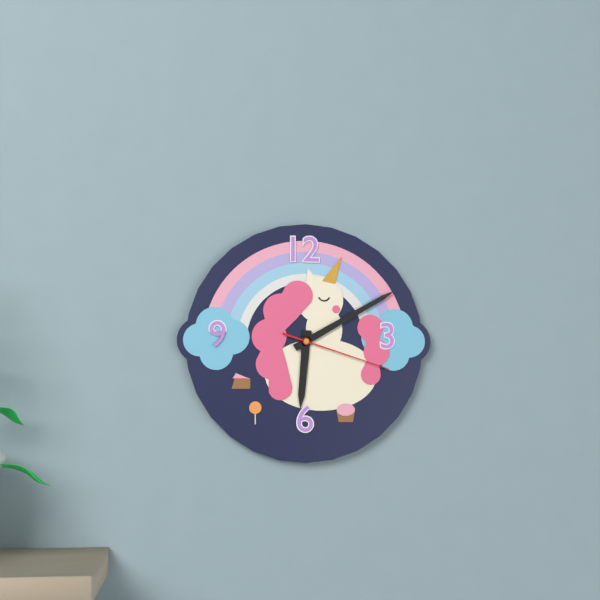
6:10:18
